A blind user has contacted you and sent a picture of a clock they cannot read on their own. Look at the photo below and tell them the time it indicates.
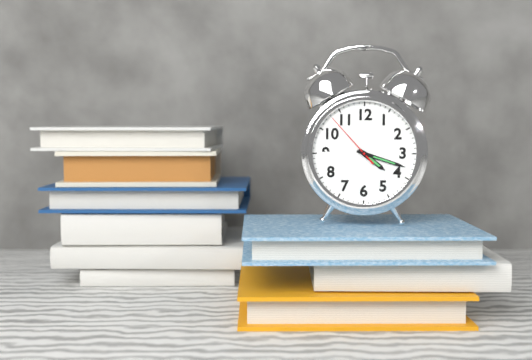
4:18:53
